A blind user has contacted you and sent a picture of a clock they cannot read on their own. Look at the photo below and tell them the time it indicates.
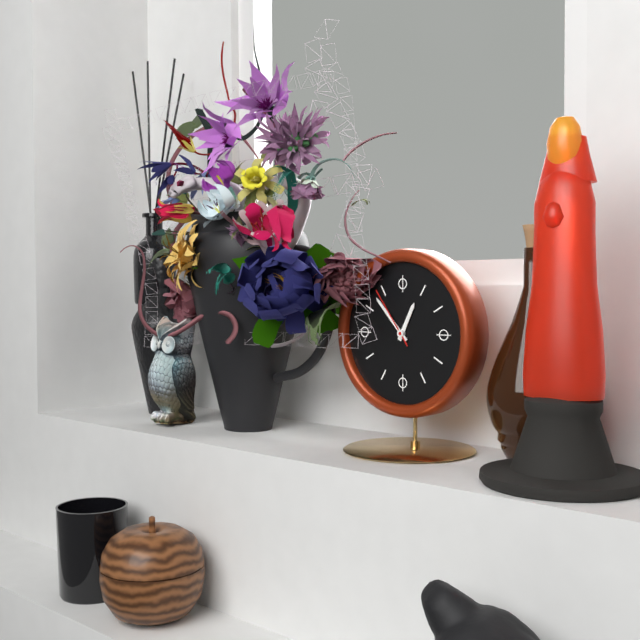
12:53:54
